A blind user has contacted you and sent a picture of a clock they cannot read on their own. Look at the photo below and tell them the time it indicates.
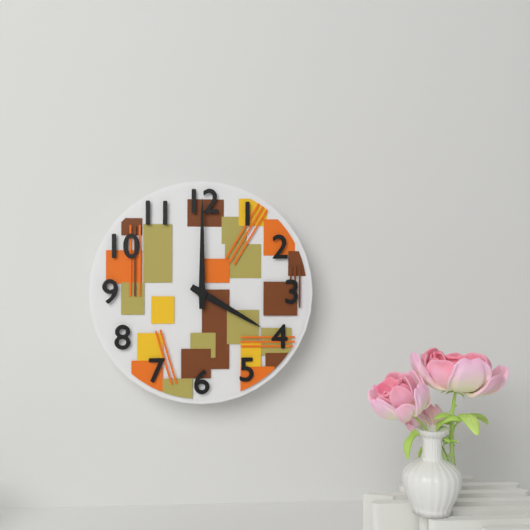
4:00
